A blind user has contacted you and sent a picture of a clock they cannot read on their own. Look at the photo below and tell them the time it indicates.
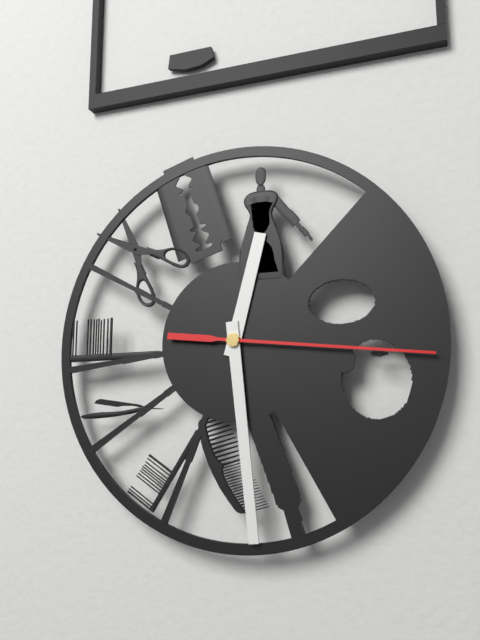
12:29:16
